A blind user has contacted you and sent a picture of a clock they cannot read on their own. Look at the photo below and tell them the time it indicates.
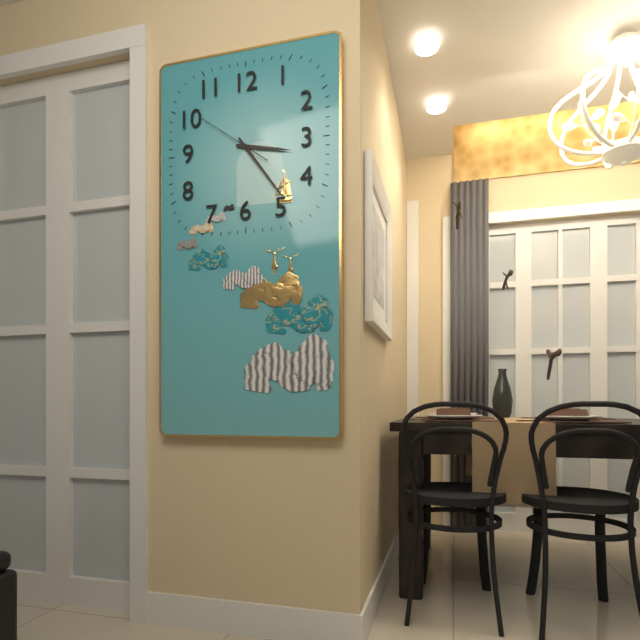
3:24:51
